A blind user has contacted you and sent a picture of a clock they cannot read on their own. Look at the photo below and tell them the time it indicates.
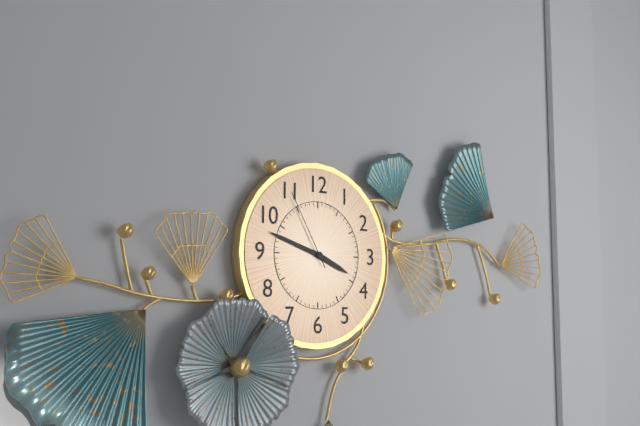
3:48:55
